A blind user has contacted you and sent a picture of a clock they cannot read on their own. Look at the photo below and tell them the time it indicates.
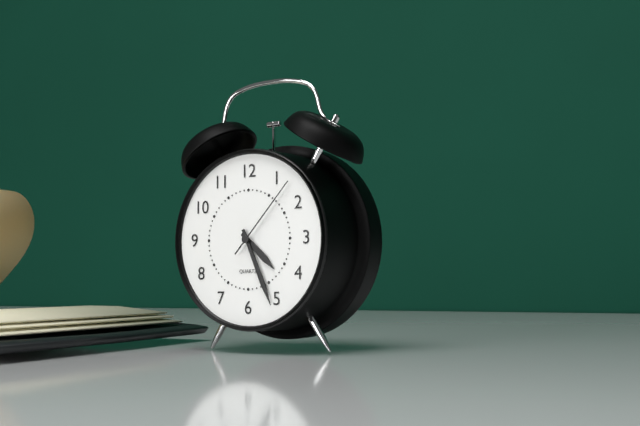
4:26:07
